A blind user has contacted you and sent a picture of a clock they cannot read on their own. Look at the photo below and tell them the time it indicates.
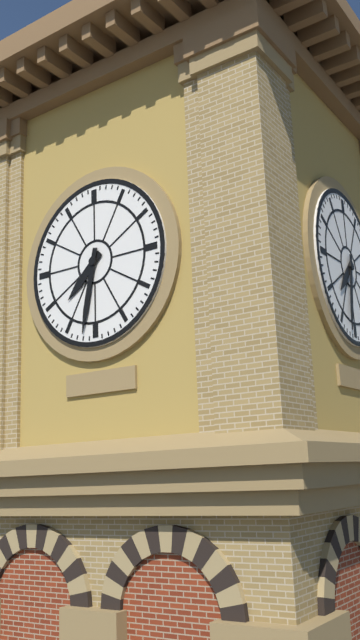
7:32
